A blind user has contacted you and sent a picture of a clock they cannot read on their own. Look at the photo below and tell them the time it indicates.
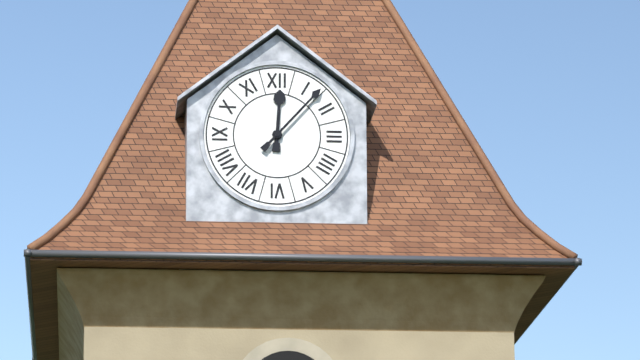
12:07
